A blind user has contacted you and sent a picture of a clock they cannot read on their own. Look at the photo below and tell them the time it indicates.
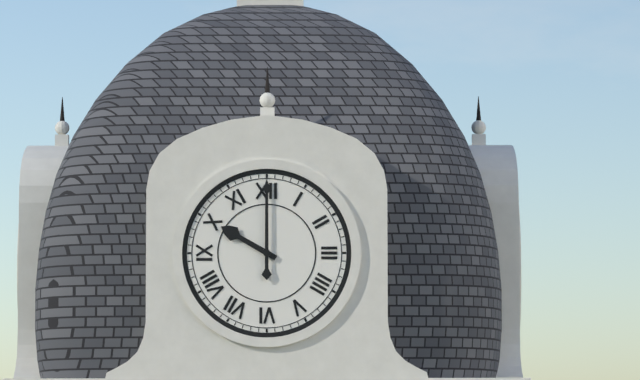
10:00
